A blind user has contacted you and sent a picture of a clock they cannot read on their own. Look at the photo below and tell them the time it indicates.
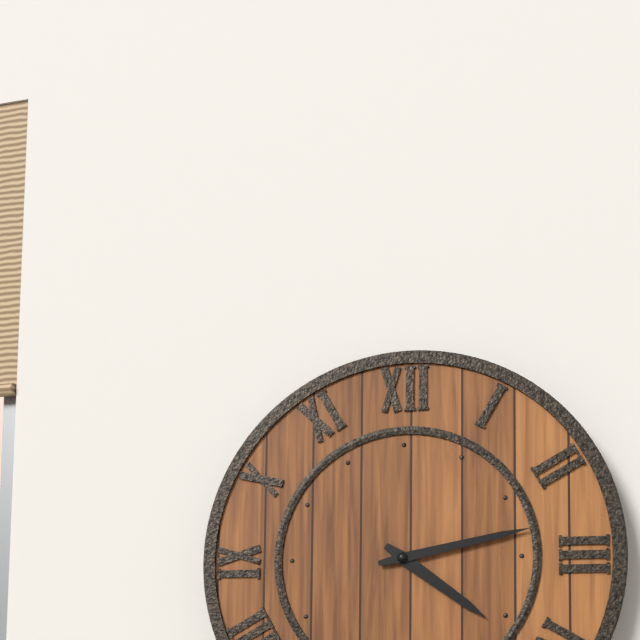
4:13
